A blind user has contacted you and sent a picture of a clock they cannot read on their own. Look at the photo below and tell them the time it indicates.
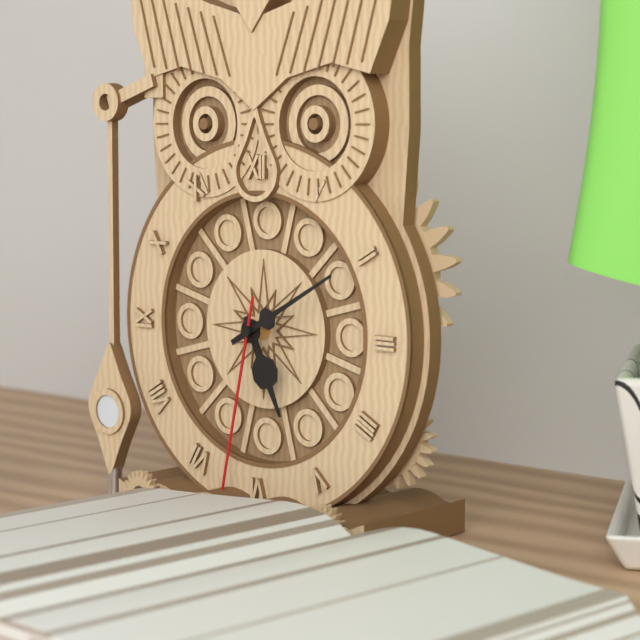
5:10:32
